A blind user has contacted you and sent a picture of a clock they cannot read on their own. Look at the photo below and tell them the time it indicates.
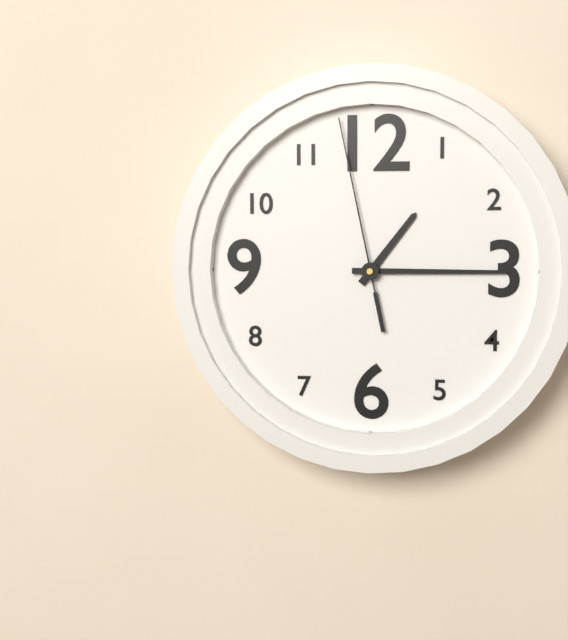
1:15:58
